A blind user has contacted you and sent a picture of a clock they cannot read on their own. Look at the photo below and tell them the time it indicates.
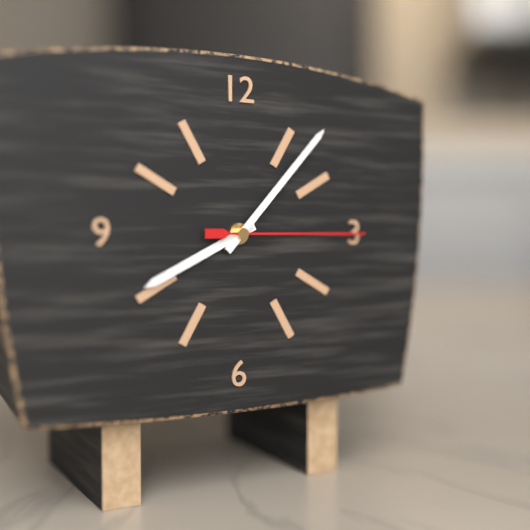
8:07:15
